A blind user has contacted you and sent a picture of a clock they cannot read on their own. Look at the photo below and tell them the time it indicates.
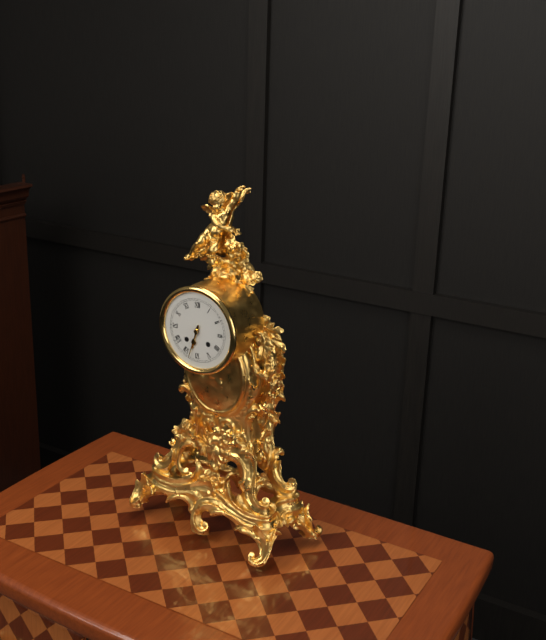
6:33
